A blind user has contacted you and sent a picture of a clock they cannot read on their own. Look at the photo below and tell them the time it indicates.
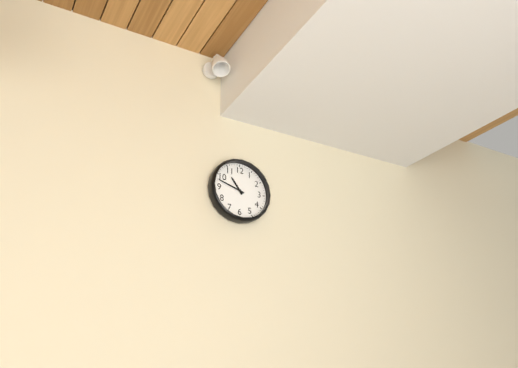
10:48
